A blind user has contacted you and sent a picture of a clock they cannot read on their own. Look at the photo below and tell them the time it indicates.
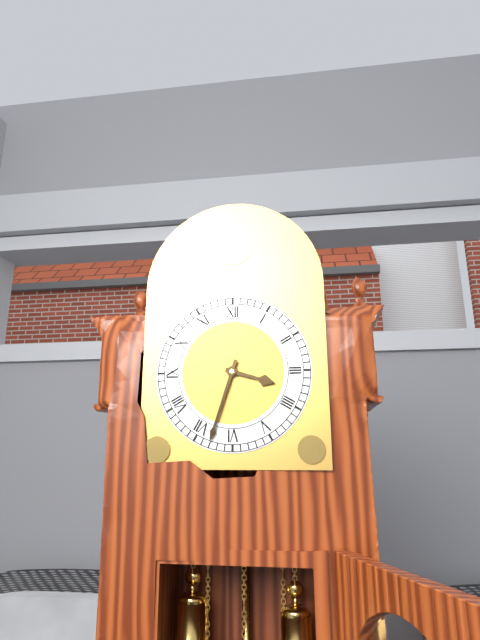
3:33
